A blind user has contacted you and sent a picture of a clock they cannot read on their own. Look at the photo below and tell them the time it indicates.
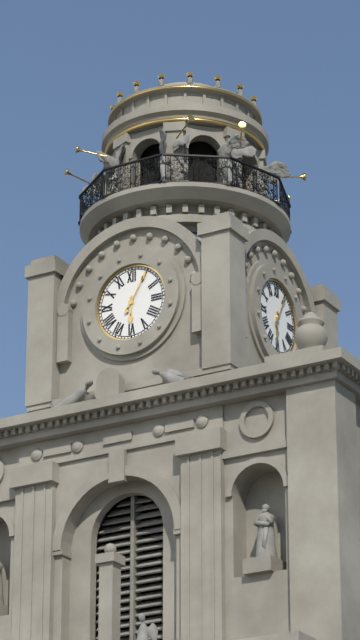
6:05
